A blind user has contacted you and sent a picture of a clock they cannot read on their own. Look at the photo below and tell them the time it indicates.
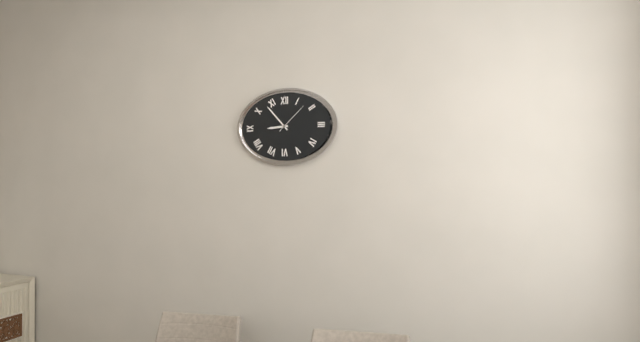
8:53
